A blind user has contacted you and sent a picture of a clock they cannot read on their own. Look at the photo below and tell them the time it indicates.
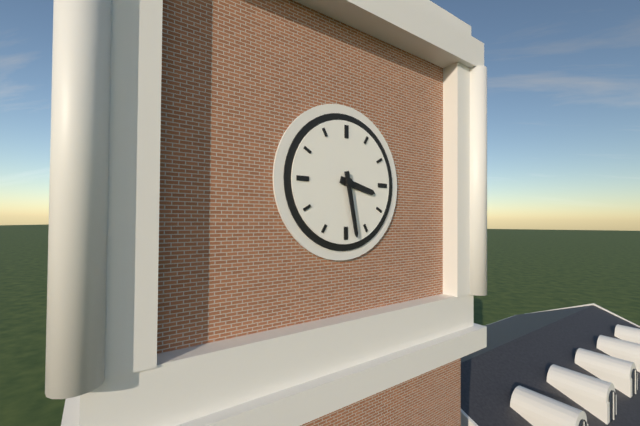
3:28
